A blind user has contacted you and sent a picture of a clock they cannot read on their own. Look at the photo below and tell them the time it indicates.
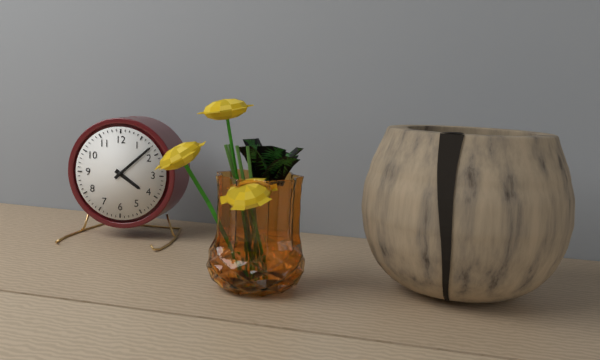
4:08
